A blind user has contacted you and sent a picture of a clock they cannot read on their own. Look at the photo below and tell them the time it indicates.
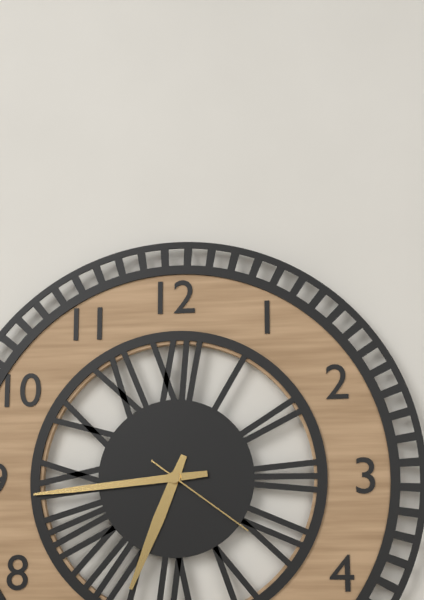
6:44:21
